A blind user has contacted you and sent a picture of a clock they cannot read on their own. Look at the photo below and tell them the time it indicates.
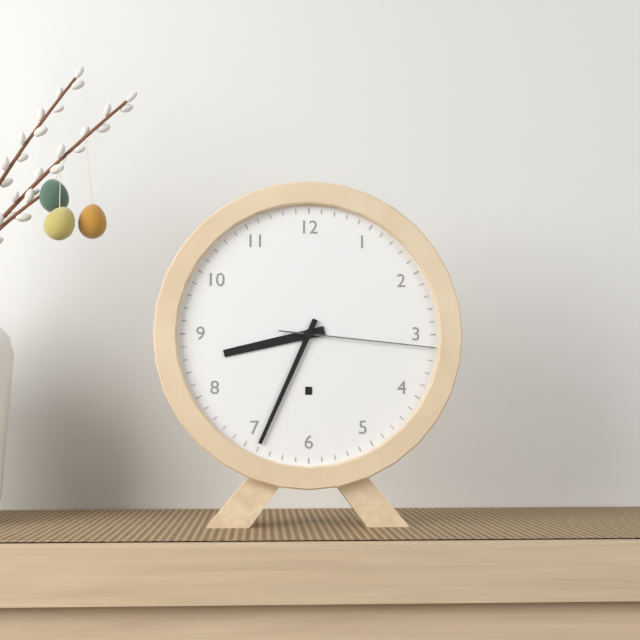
8:34:16
